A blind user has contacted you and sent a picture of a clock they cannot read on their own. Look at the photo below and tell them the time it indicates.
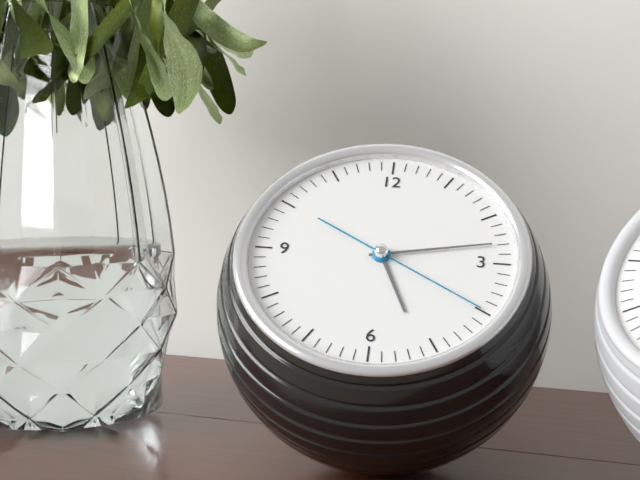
5:13:20
